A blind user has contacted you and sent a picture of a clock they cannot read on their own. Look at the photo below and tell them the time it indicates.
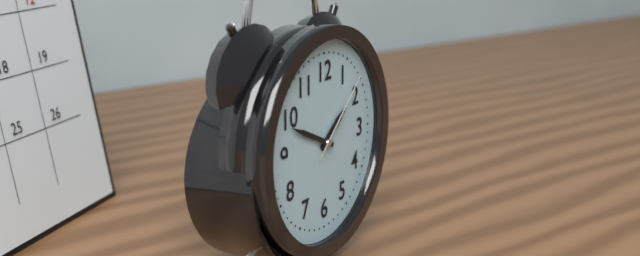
1:49:08
